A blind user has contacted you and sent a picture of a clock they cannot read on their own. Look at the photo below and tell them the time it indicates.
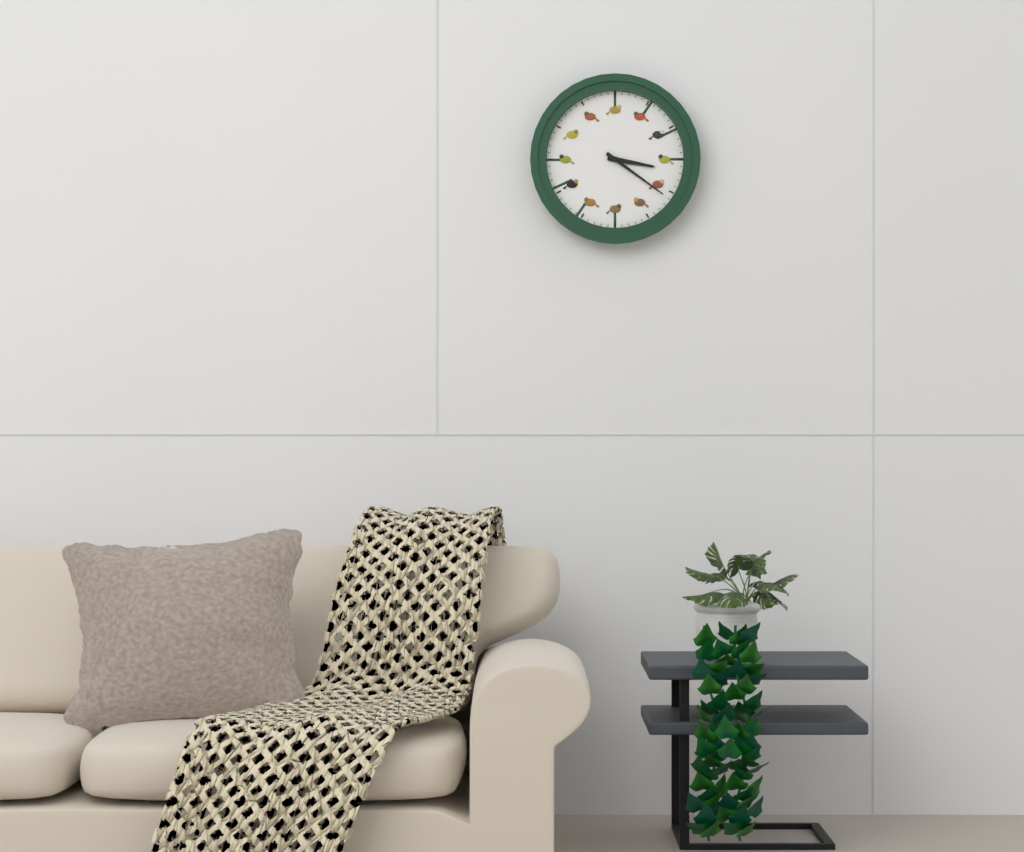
3:21
